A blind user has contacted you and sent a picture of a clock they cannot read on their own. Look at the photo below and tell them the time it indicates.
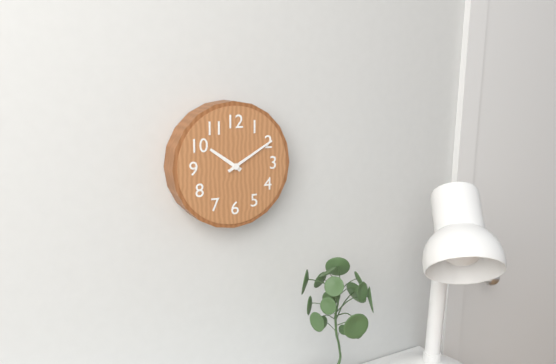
10:10
